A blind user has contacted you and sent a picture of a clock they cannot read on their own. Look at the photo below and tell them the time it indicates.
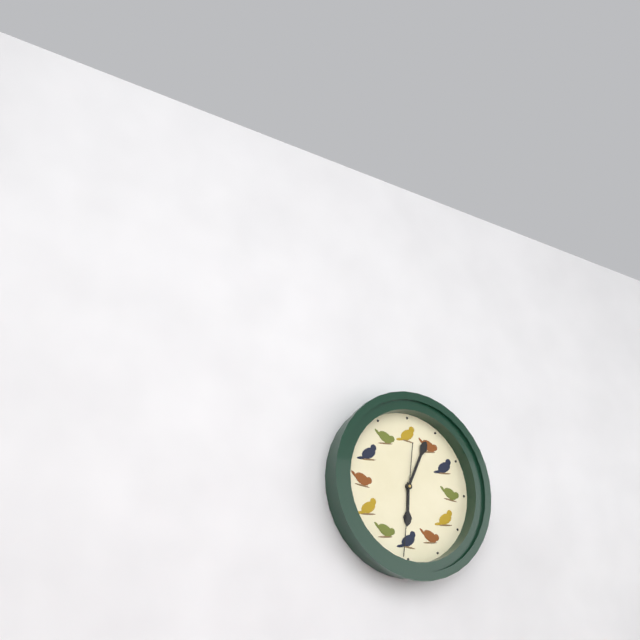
6:04:31
